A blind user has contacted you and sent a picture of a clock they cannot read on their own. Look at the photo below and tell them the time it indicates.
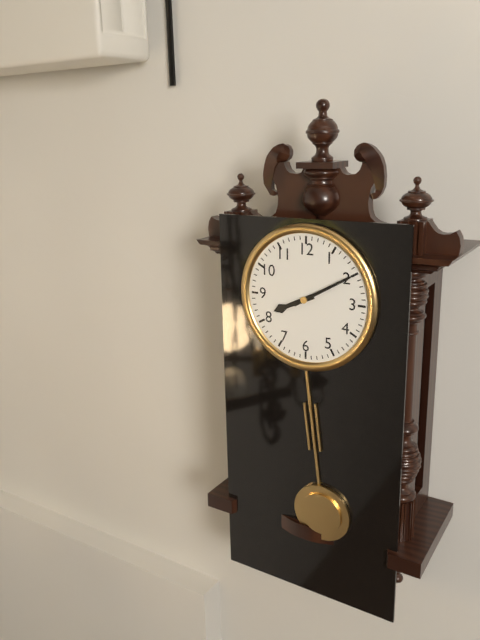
8:10
